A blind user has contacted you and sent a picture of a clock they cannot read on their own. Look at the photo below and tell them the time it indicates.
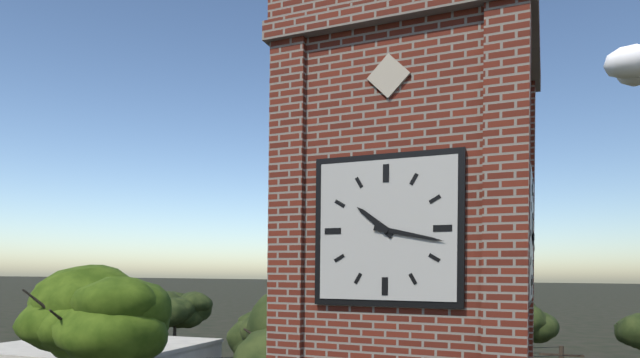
10:17
